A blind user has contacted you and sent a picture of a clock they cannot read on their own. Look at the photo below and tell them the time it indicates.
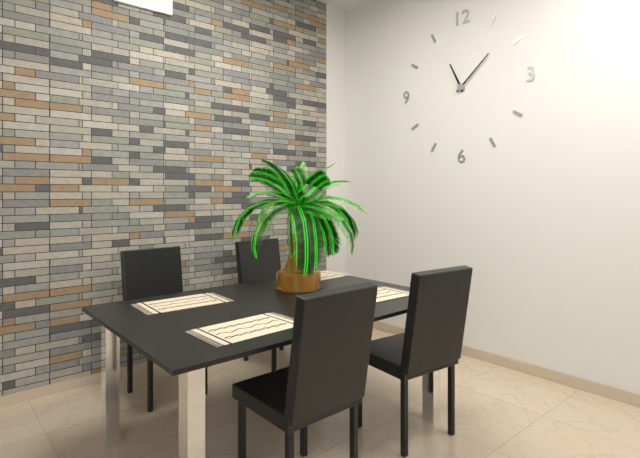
11:08
